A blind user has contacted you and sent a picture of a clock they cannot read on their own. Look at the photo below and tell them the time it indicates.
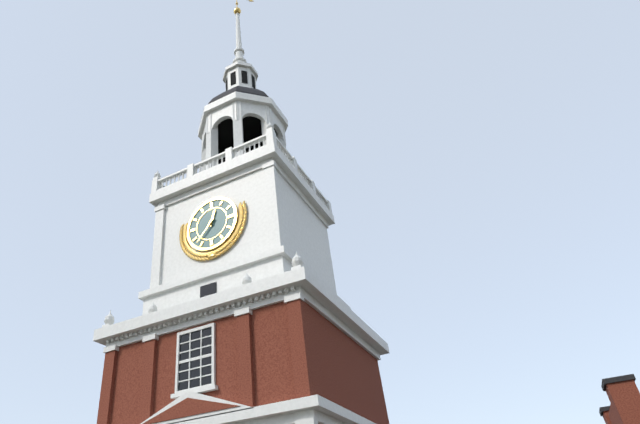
12:37
